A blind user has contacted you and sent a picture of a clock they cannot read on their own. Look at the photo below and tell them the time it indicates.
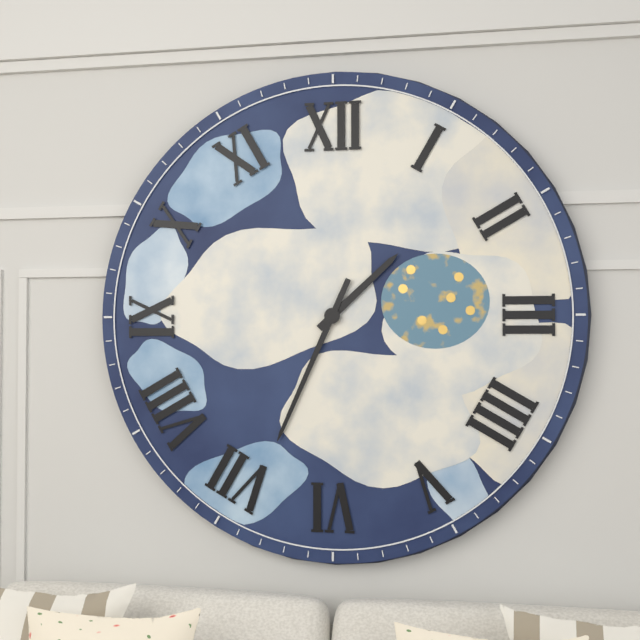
1:34
